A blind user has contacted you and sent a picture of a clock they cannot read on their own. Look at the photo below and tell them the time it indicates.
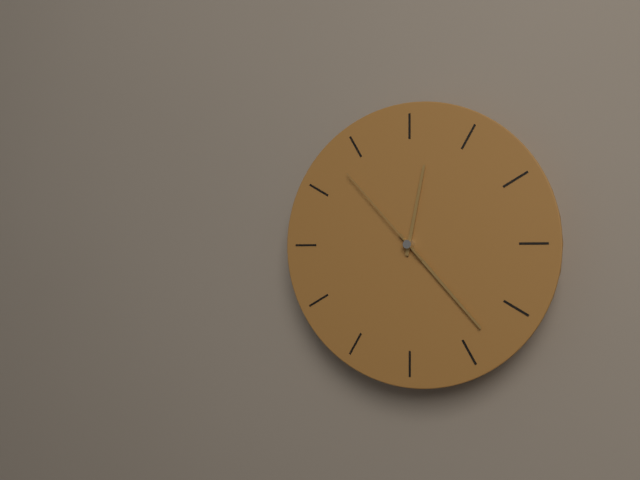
12:23:53
